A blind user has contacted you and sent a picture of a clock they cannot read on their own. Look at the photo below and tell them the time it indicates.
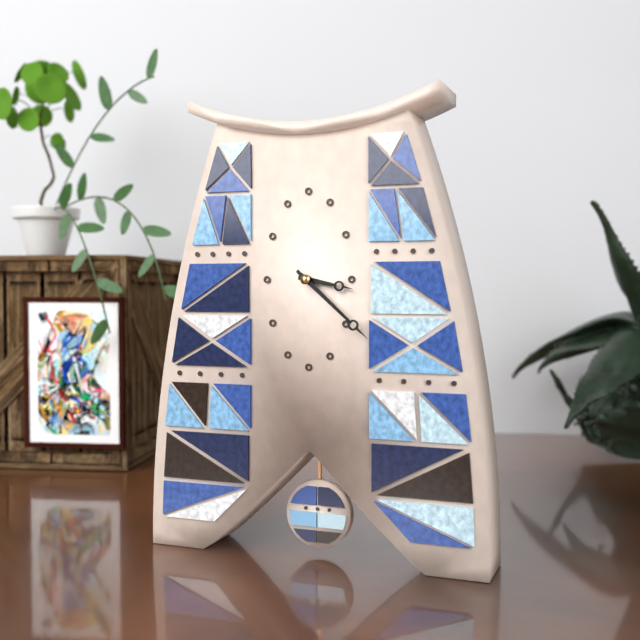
3:22
